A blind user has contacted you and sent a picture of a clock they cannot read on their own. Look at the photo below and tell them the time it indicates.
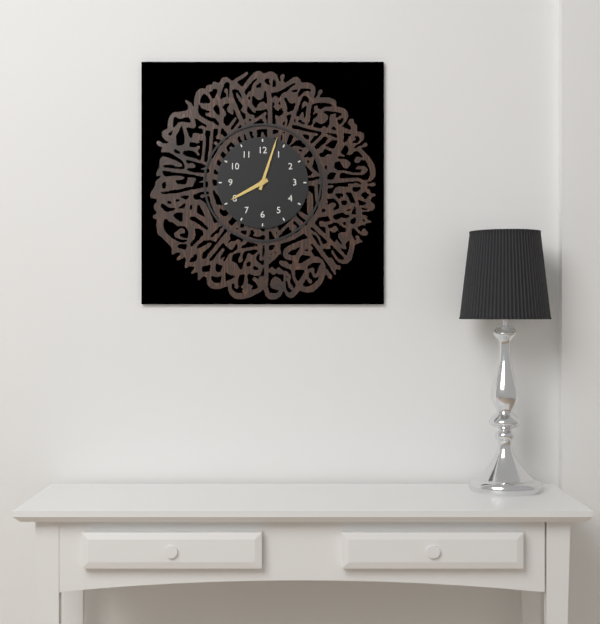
8:03
